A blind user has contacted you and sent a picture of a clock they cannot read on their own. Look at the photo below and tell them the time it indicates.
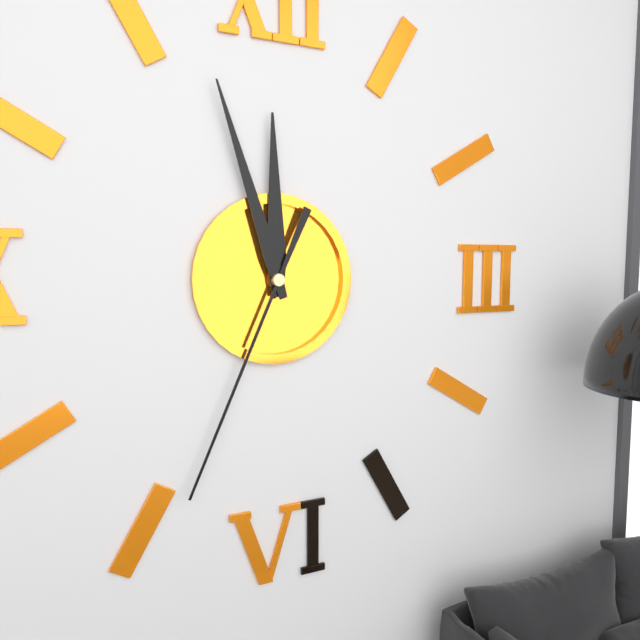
11:57:34
